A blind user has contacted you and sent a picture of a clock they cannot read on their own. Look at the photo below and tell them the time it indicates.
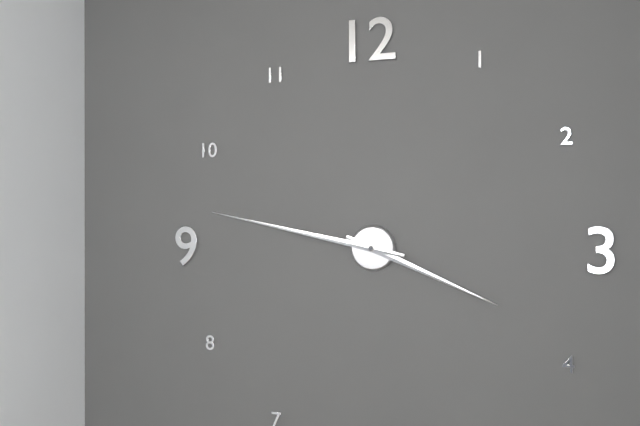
3:47
